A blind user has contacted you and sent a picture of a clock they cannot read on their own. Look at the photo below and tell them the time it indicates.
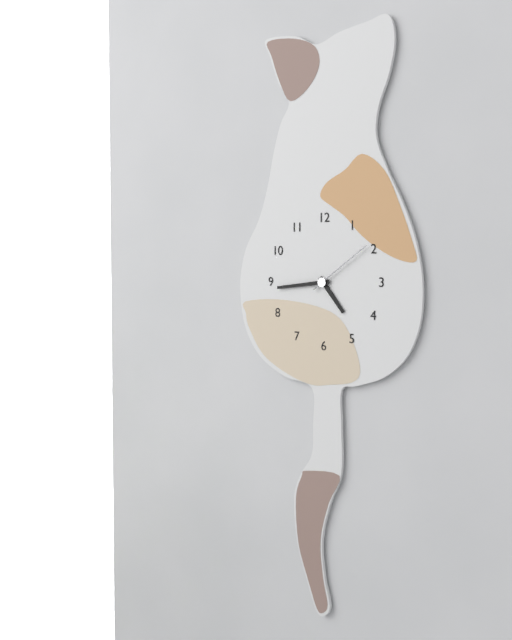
4:44:09
